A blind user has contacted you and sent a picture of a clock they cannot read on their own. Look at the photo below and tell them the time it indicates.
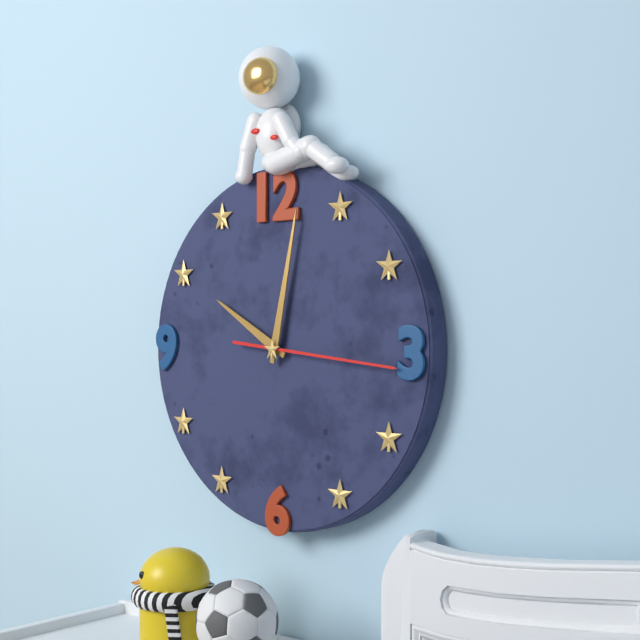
10:02:16
